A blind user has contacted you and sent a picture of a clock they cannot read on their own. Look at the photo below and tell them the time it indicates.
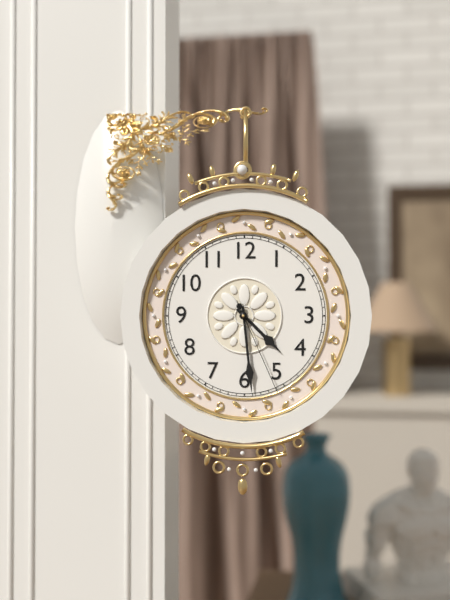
4:29:26
